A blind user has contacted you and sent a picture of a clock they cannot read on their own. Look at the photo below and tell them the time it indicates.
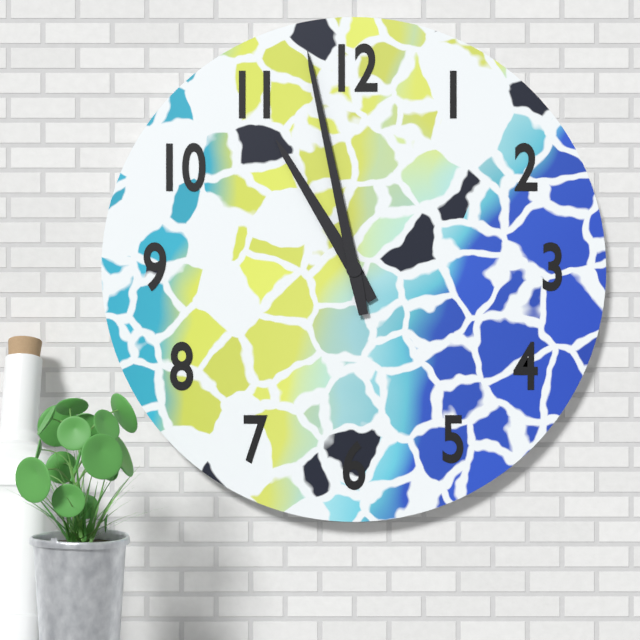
10:58
